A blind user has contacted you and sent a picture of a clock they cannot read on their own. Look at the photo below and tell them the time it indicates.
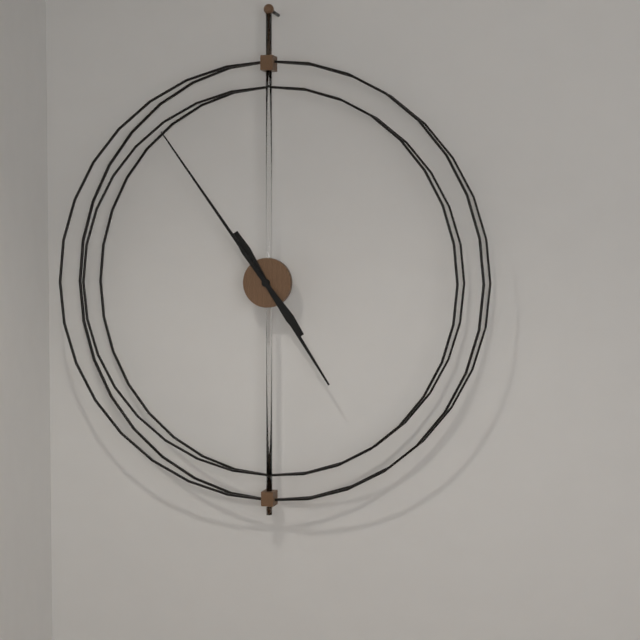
4:54
